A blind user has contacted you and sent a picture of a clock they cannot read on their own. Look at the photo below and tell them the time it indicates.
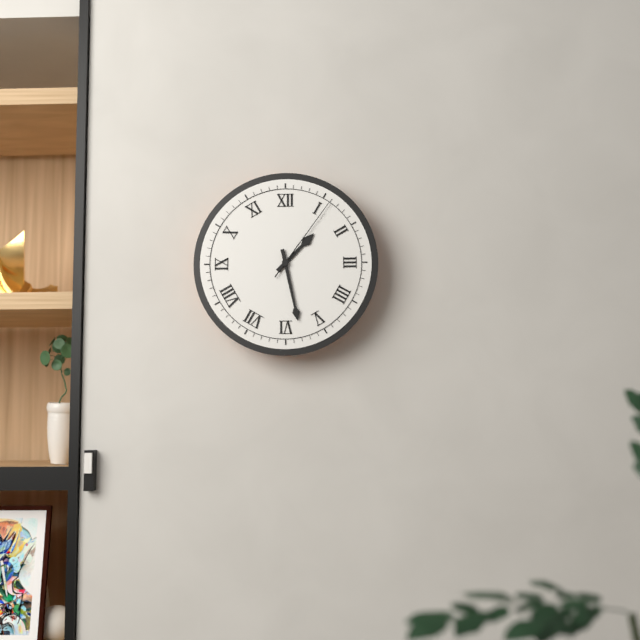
1:28:06
